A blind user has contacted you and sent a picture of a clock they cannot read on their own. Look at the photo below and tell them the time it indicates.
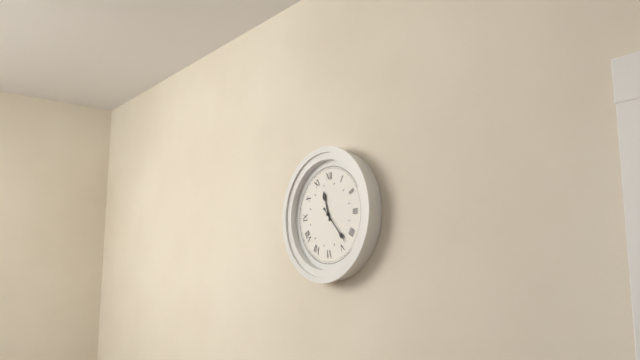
11:23
